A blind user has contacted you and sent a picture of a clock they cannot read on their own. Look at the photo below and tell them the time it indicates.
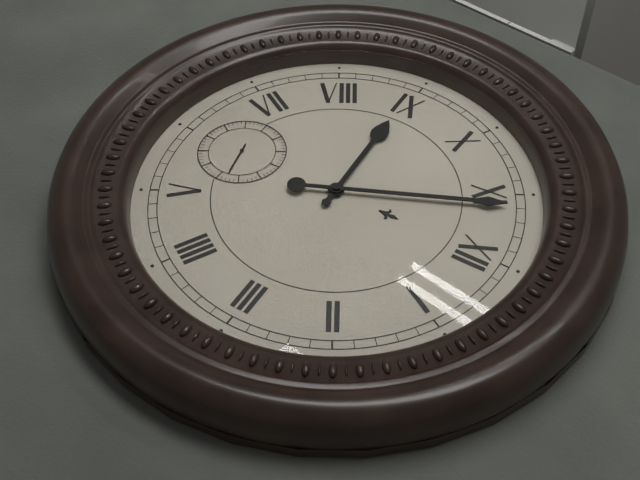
8:56
